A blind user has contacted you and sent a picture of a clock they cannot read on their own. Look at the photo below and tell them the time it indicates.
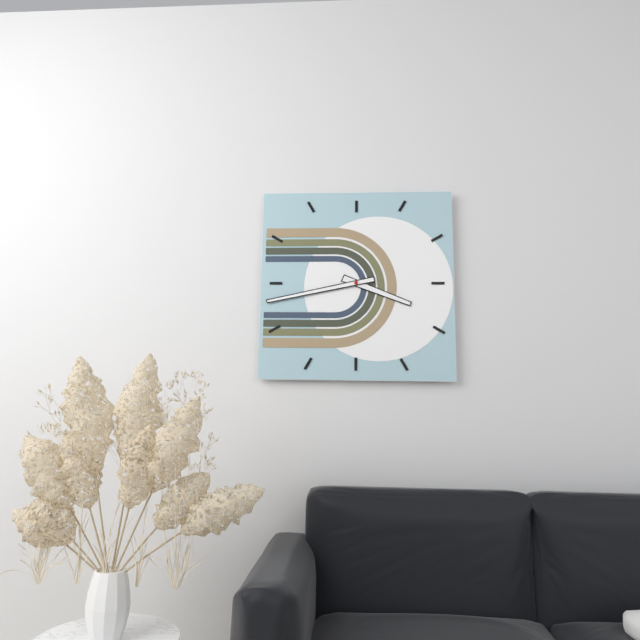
3:43
